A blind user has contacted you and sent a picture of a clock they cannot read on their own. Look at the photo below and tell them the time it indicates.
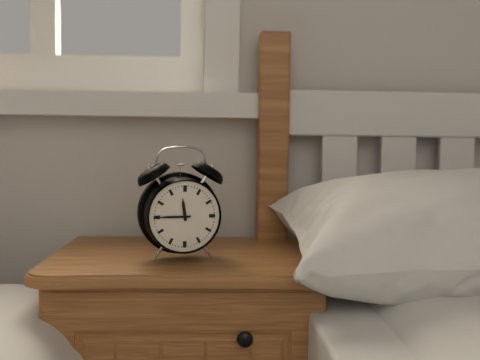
11:45
